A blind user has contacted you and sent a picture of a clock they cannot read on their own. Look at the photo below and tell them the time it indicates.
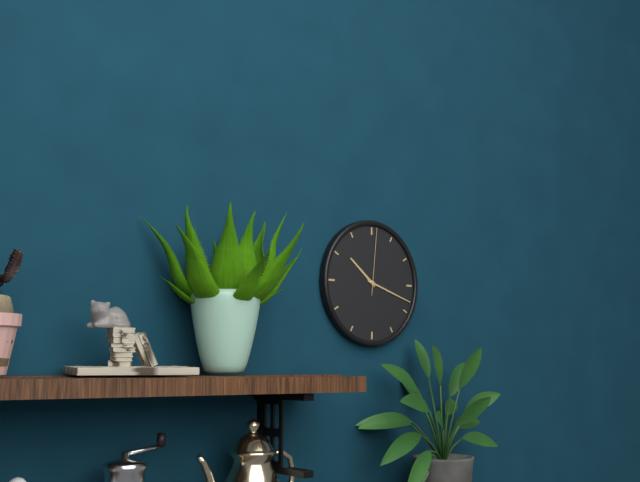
10:18:01
